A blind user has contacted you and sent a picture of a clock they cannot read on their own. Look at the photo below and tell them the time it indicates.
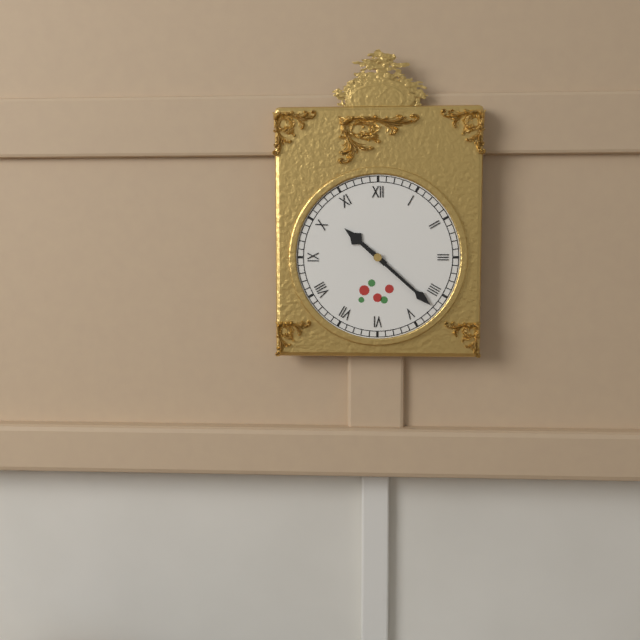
10:22
